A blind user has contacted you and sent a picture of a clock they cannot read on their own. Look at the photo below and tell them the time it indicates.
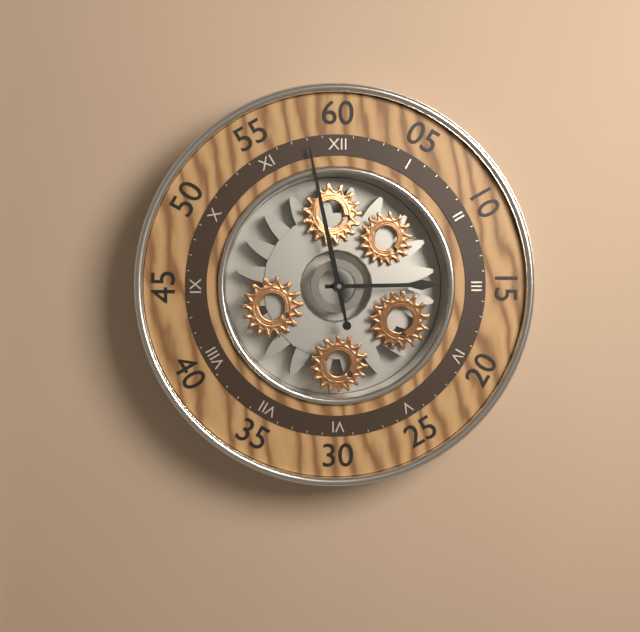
2:58
